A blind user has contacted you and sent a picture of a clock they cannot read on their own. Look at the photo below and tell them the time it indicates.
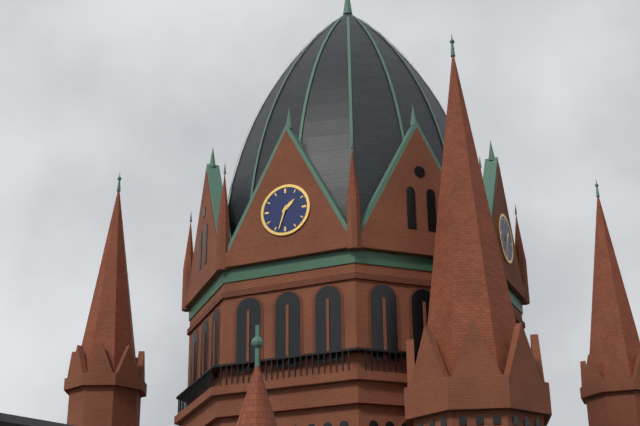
1:33
